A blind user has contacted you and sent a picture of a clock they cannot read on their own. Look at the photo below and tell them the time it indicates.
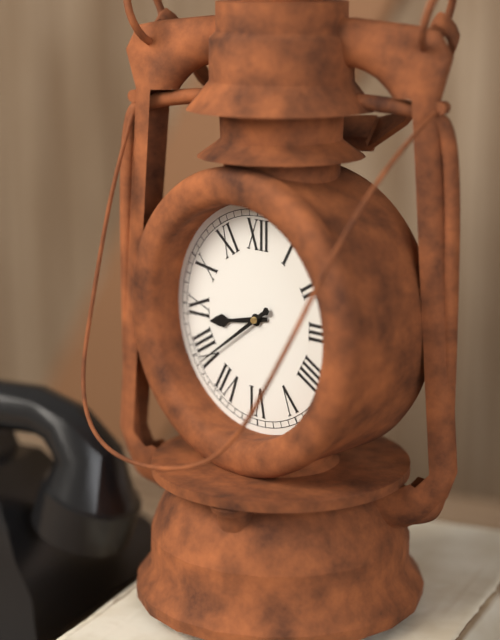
8:39
